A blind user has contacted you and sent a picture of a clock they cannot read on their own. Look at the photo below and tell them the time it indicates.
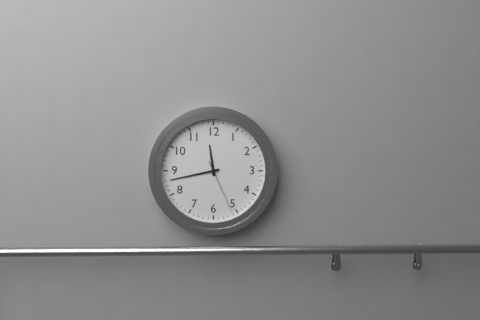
11:43:26
